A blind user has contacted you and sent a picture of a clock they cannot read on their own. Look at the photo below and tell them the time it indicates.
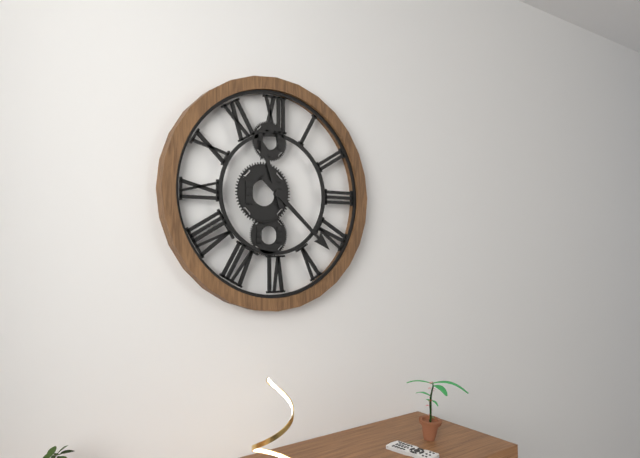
11:22
